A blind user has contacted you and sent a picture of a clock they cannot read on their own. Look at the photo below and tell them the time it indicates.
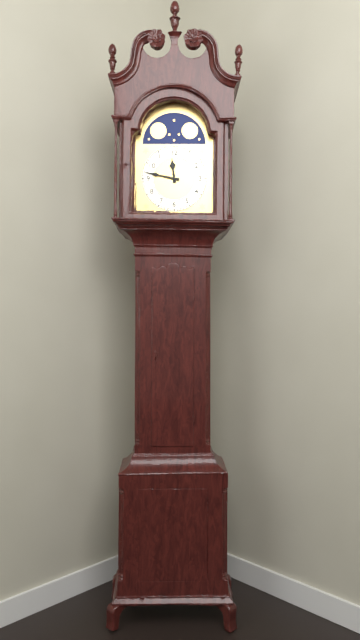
11:47
